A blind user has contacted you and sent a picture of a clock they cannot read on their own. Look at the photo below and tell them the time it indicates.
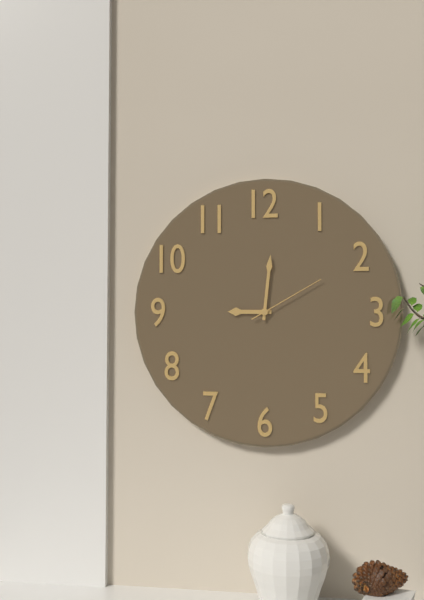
9:01:10
